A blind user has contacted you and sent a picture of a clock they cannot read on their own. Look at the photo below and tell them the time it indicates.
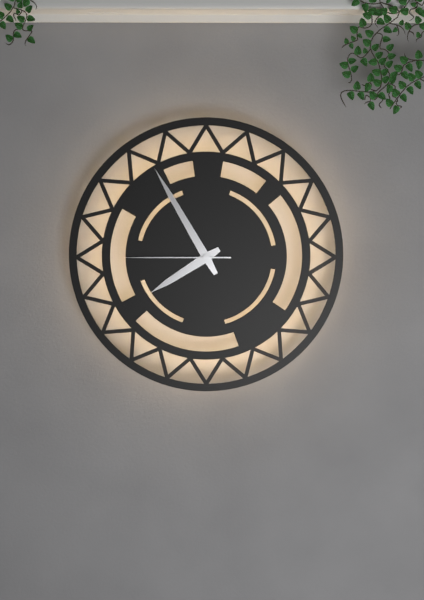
7:55:45
